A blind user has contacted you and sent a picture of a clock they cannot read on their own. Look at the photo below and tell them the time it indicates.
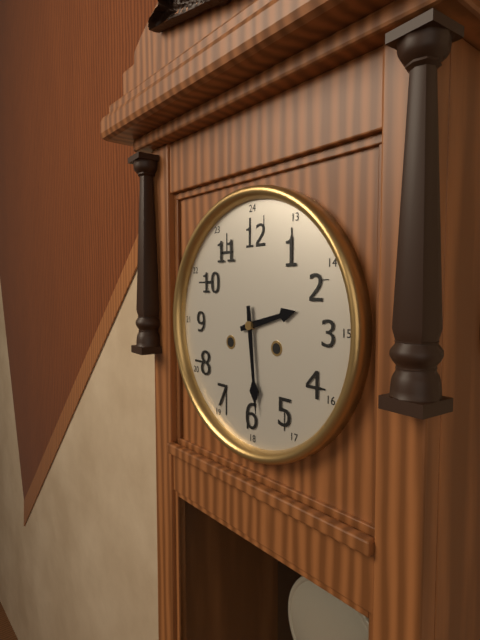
2:29
